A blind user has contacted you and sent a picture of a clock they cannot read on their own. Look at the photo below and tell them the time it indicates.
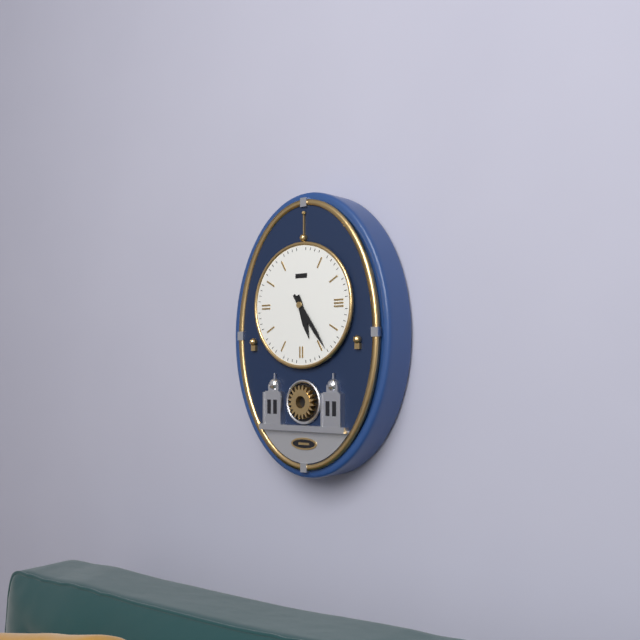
5:24
